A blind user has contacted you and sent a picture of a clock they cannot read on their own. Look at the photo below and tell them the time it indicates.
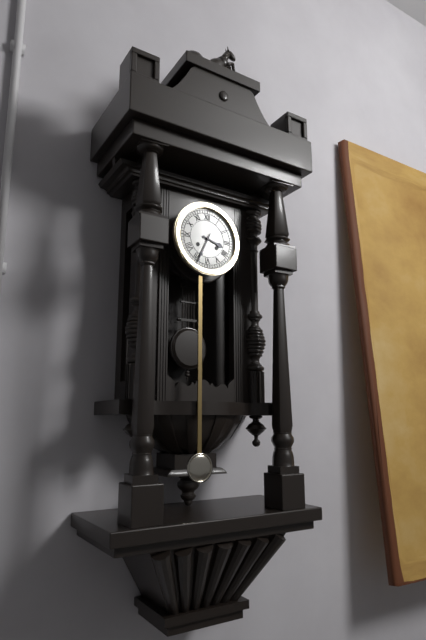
3:34
